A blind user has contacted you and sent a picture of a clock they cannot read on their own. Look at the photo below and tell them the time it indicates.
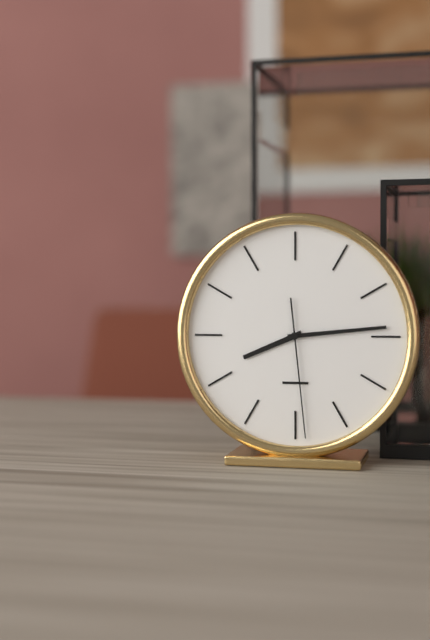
8:14:29
